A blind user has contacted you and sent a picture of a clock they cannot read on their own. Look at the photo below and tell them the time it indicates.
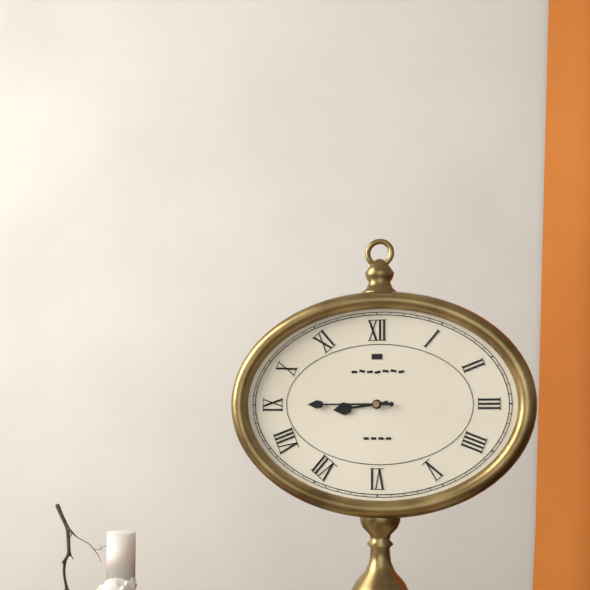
8:45
